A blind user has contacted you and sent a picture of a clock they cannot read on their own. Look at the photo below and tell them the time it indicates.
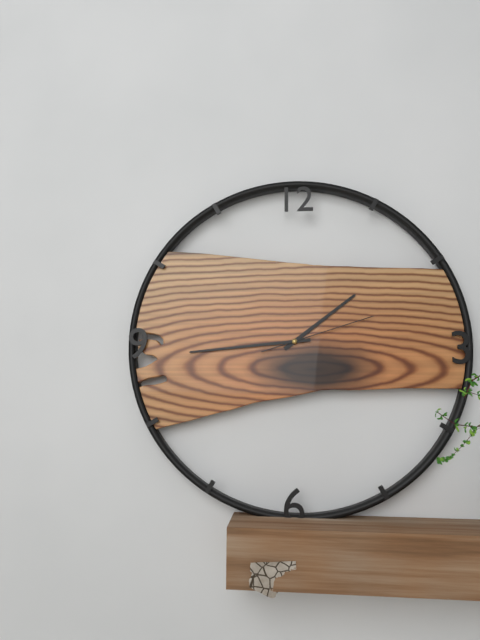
1:44:12
